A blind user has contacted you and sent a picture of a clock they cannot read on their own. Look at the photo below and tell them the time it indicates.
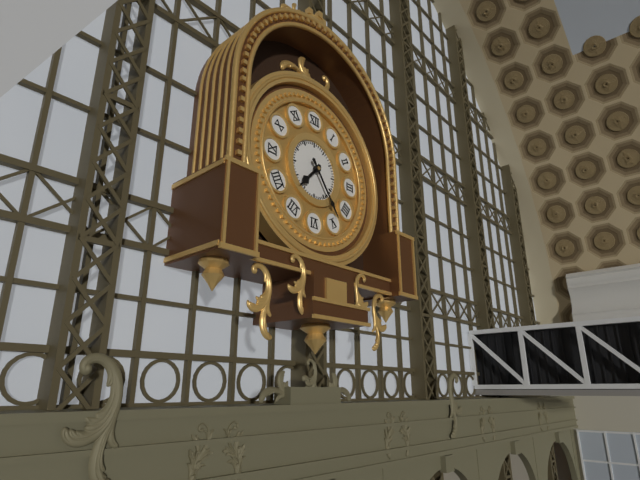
7:24
